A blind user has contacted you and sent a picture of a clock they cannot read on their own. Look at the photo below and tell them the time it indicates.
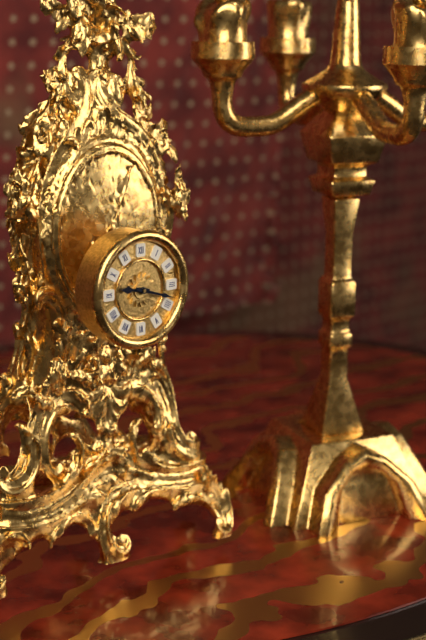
9:18
